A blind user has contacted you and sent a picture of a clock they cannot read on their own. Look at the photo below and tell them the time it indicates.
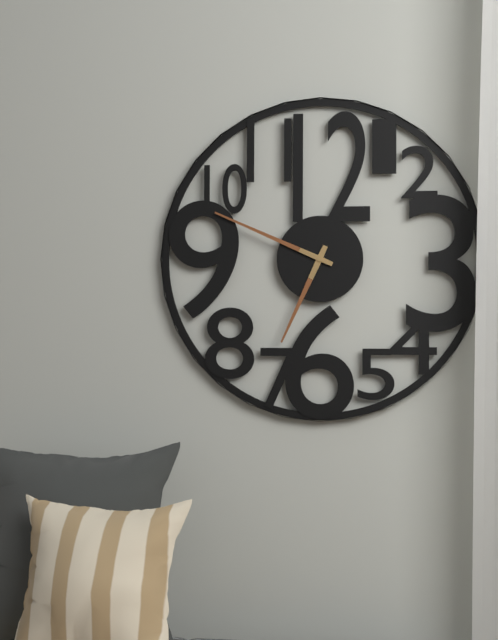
6:49
